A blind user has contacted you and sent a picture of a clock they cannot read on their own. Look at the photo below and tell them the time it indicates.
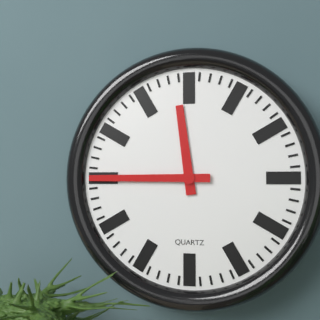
11:45
